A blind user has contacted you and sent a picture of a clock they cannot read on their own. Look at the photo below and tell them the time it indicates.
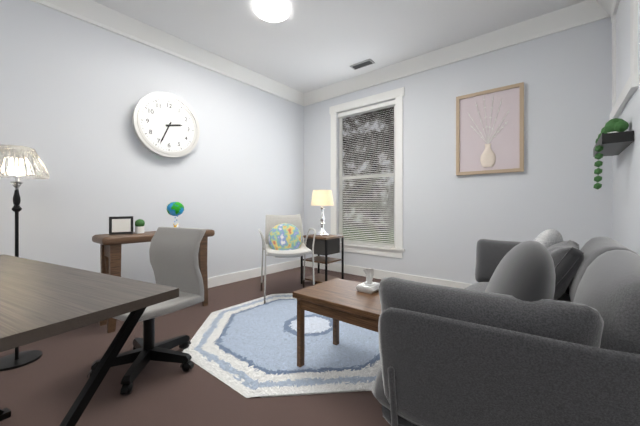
2:34
